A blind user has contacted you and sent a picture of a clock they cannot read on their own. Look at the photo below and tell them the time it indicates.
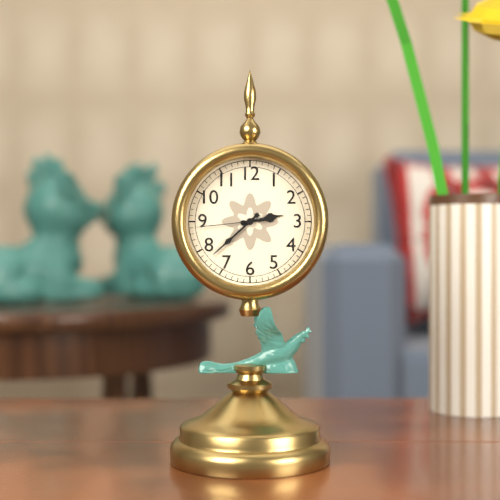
2:38:44
